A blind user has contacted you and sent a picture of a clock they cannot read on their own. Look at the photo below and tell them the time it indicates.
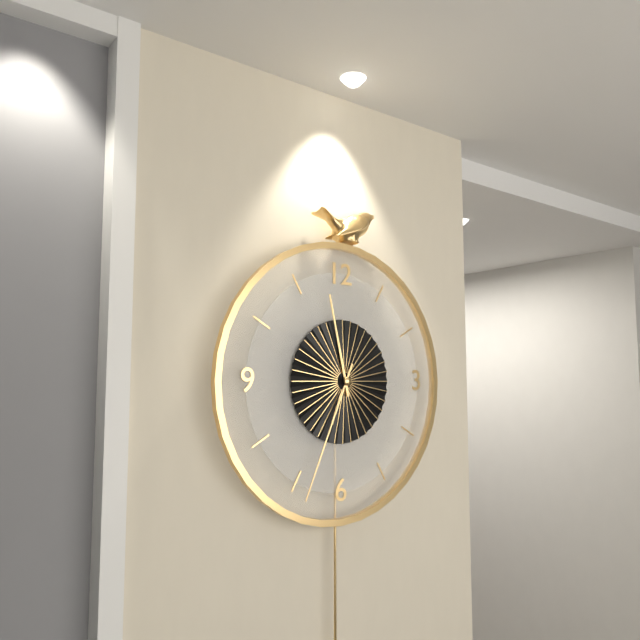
11:34
